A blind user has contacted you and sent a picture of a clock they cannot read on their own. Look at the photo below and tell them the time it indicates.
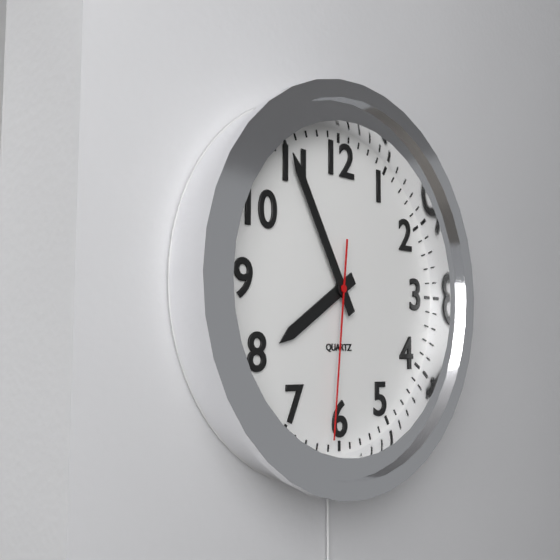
7:55:31
